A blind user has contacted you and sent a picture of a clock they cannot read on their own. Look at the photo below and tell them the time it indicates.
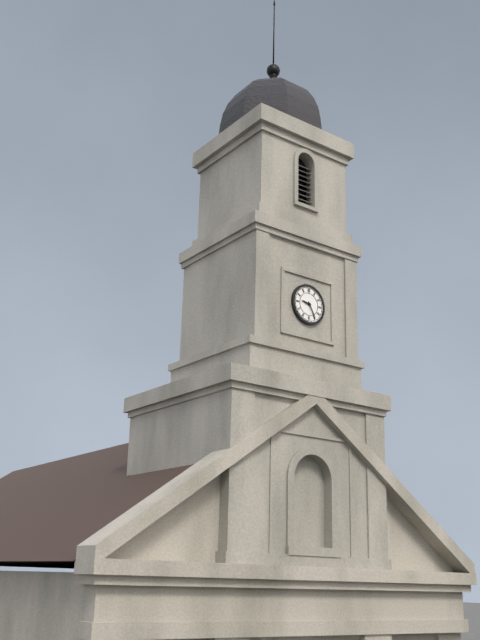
9:25
